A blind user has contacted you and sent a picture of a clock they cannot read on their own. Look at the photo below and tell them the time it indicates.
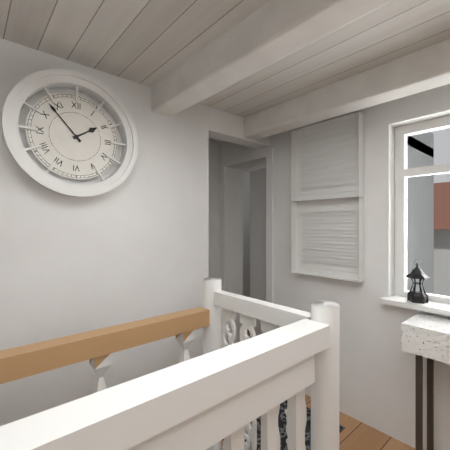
1:53
